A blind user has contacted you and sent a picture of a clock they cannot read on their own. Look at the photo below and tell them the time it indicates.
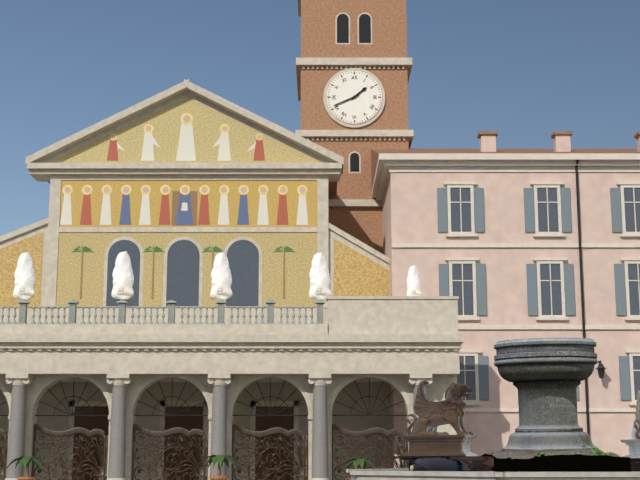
1:41
